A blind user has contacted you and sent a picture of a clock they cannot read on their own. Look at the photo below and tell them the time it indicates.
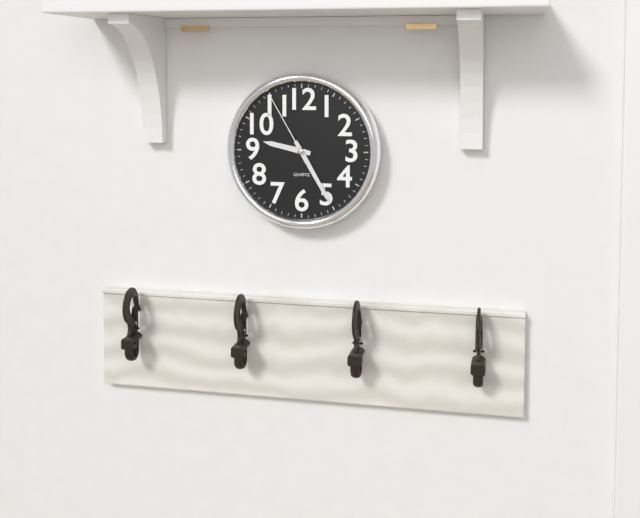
9:25:55
